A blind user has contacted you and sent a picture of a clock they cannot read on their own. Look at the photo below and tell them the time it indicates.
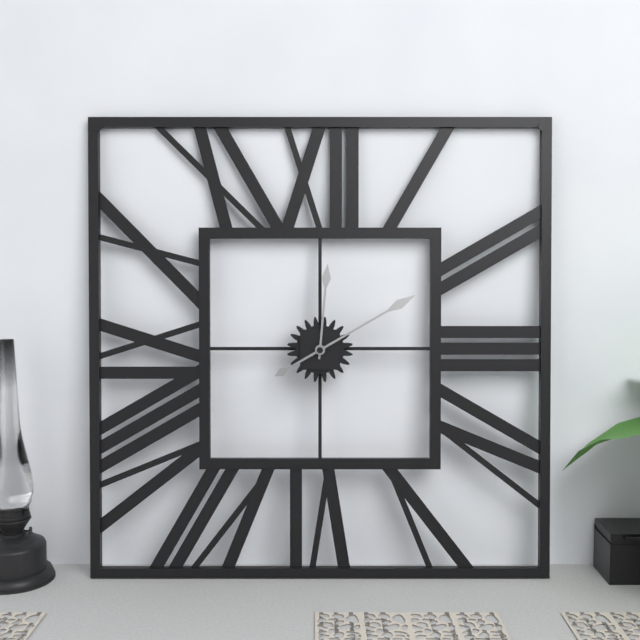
12:10
